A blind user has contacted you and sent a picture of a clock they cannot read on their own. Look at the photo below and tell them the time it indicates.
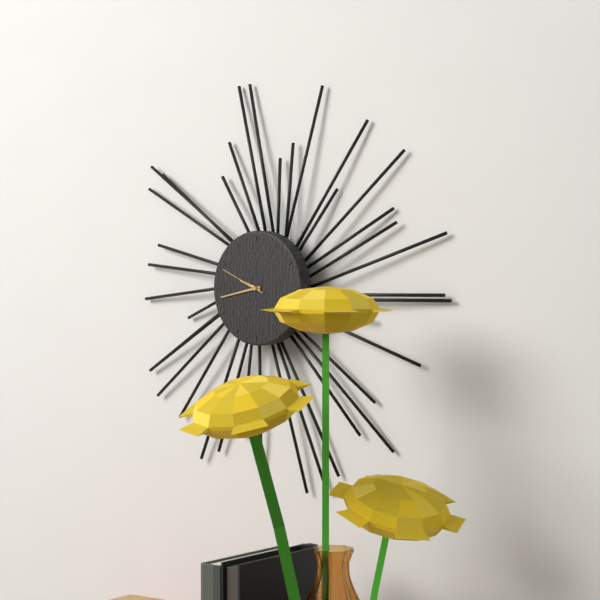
9:43
